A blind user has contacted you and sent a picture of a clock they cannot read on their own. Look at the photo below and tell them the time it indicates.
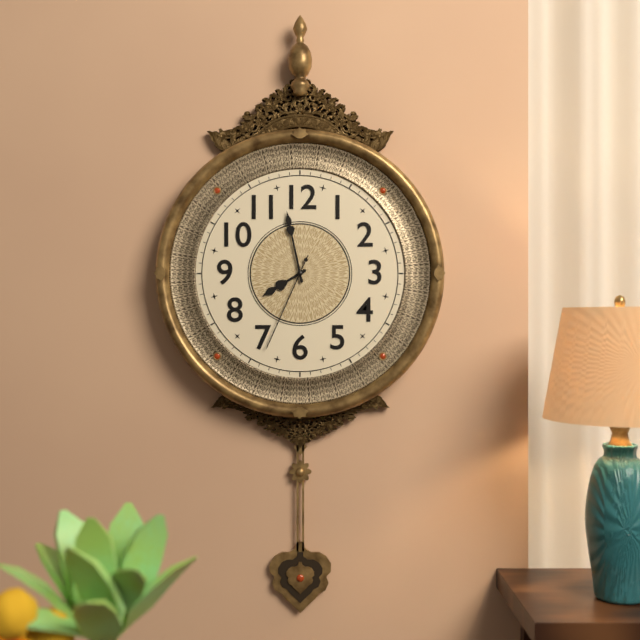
7:58:34
